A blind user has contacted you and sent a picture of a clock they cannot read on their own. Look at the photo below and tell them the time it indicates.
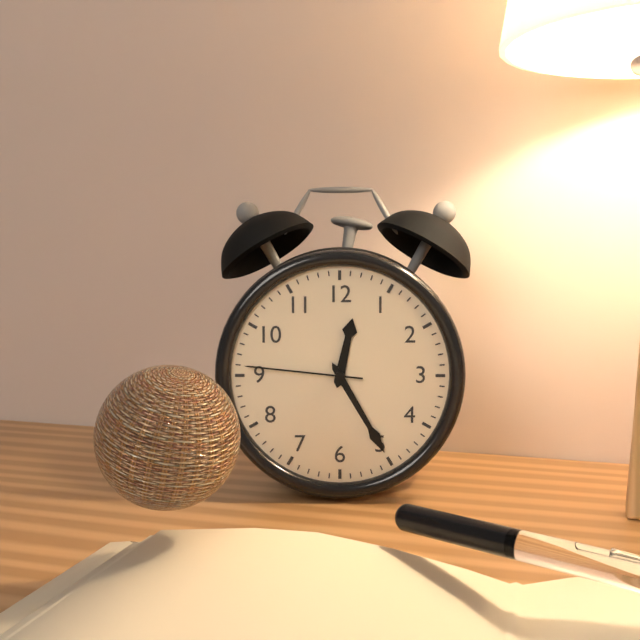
12:25:46
